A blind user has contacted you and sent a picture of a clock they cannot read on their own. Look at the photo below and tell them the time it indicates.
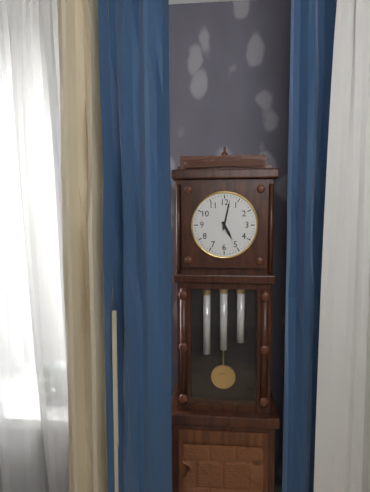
5:02
